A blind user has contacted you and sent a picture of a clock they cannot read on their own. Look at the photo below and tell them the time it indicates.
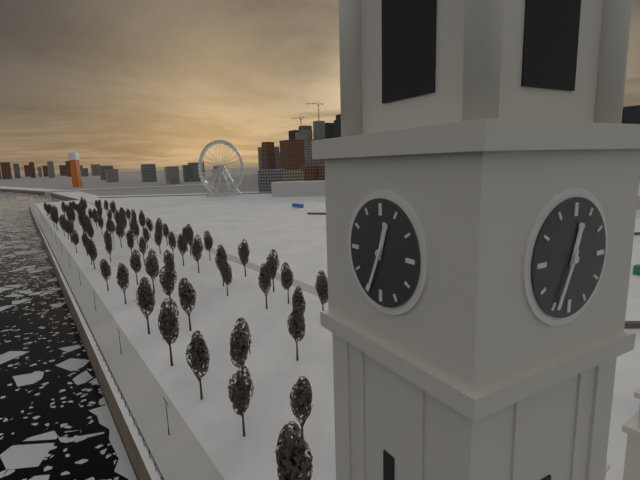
12:34
